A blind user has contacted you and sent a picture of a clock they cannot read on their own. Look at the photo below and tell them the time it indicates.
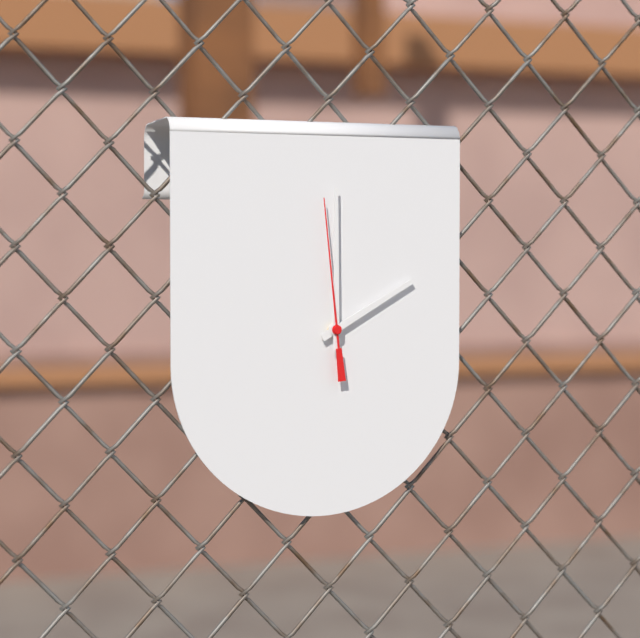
2:00:59
